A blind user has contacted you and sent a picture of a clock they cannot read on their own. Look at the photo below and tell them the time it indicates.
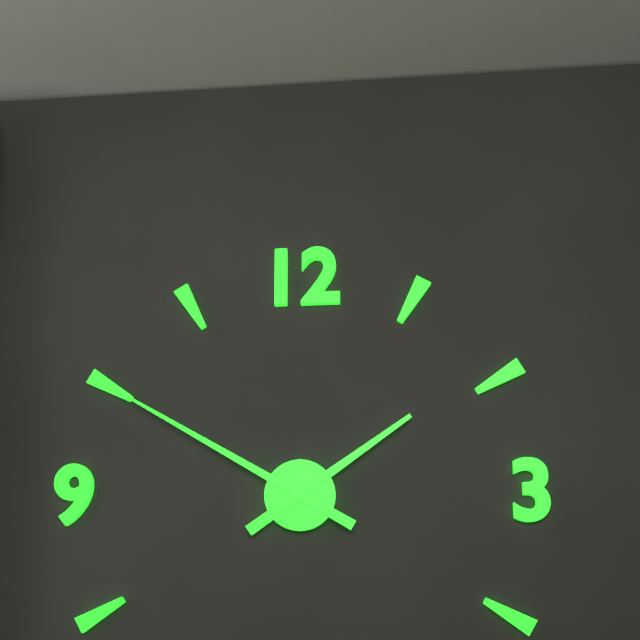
1:50
